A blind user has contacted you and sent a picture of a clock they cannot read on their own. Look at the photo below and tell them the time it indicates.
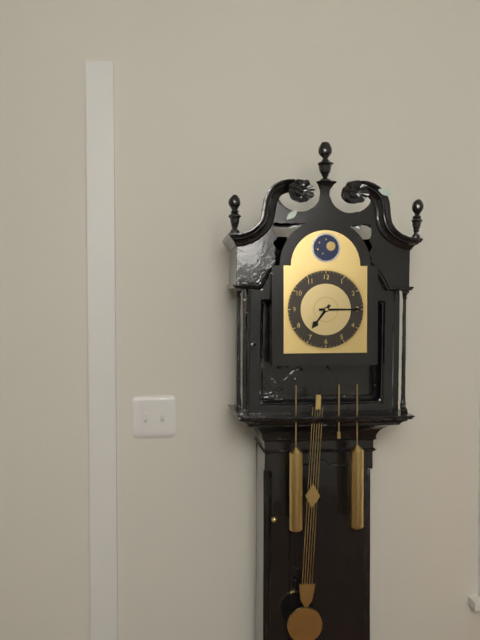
7:15
